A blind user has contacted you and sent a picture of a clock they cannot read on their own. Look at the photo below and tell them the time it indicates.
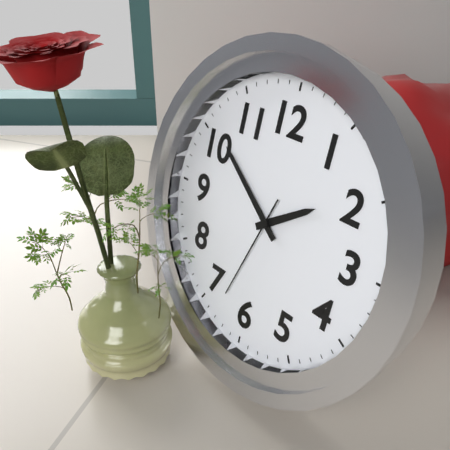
1:51:33
